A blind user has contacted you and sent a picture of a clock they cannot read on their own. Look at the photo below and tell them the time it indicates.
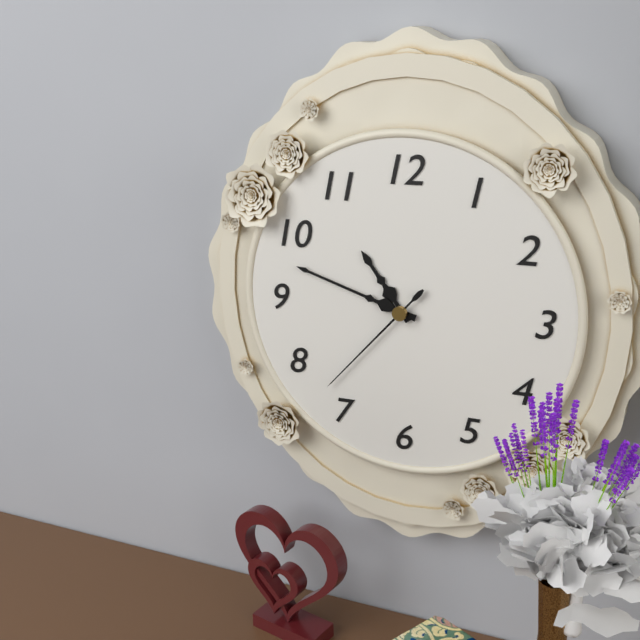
10:48:37
